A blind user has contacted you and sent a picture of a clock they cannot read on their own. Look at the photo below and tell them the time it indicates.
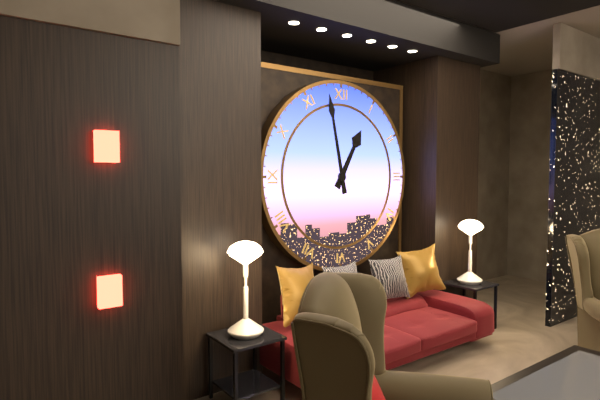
12:58
